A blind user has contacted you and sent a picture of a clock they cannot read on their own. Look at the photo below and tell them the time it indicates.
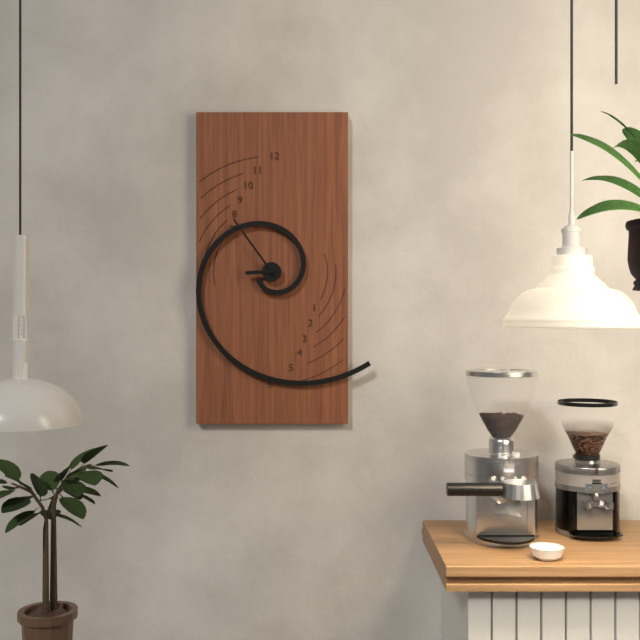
8:54
